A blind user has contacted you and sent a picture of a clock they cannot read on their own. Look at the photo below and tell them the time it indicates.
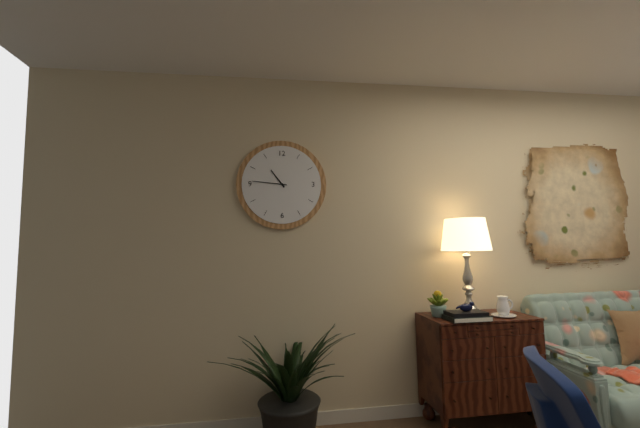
10:46
